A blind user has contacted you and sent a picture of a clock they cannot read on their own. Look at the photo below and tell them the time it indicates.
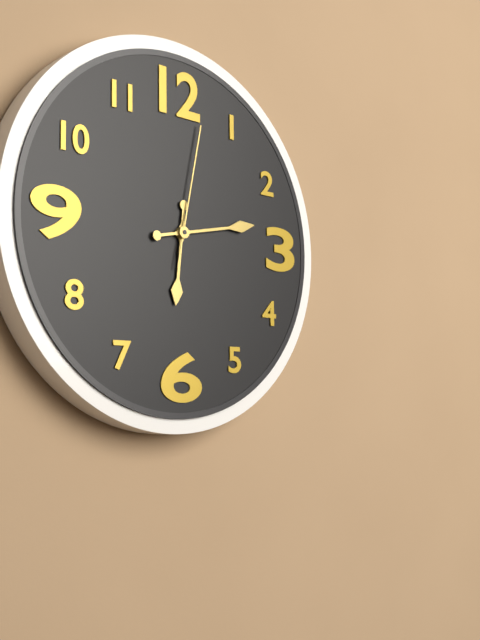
6:13:02
